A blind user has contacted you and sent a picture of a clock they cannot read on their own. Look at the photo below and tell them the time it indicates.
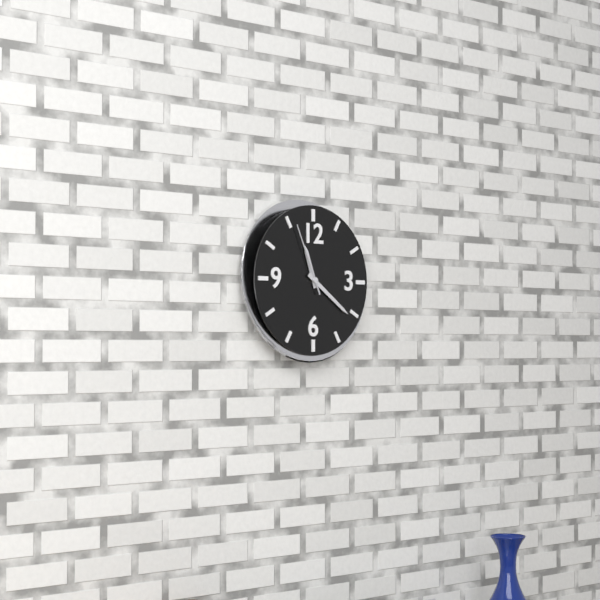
11:21:56
